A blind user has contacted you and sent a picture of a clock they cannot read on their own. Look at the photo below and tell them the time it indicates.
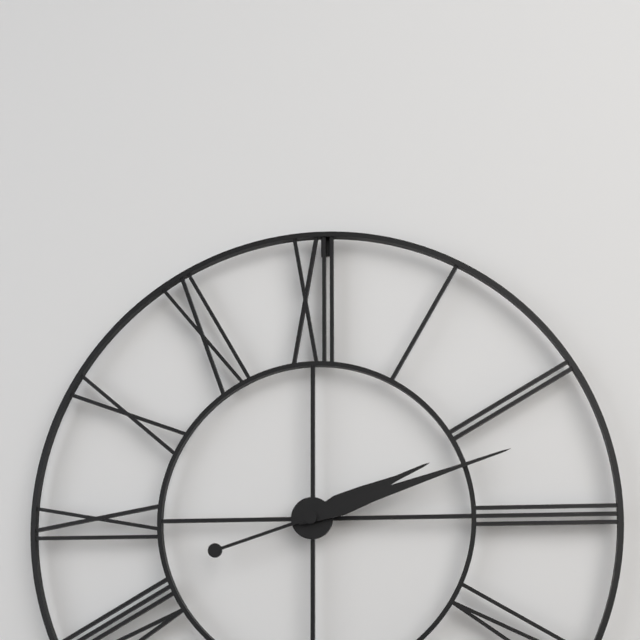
2:12
